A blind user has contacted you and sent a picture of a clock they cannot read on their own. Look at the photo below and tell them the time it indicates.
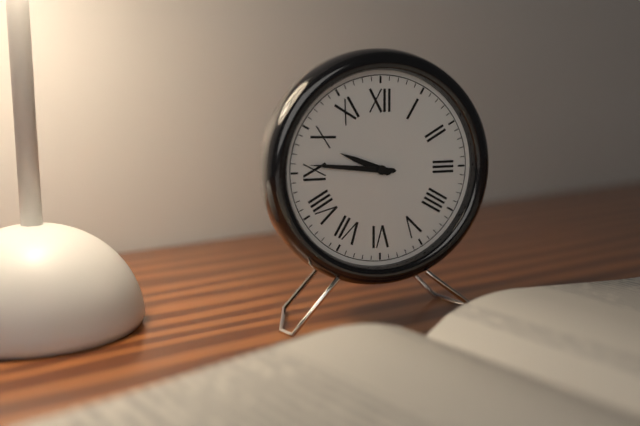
9:46
